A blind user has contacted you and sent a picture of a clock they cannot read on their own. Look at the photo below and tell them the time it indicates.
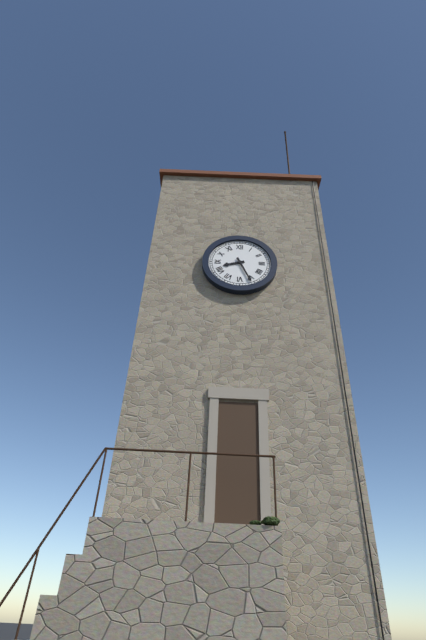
8:26
